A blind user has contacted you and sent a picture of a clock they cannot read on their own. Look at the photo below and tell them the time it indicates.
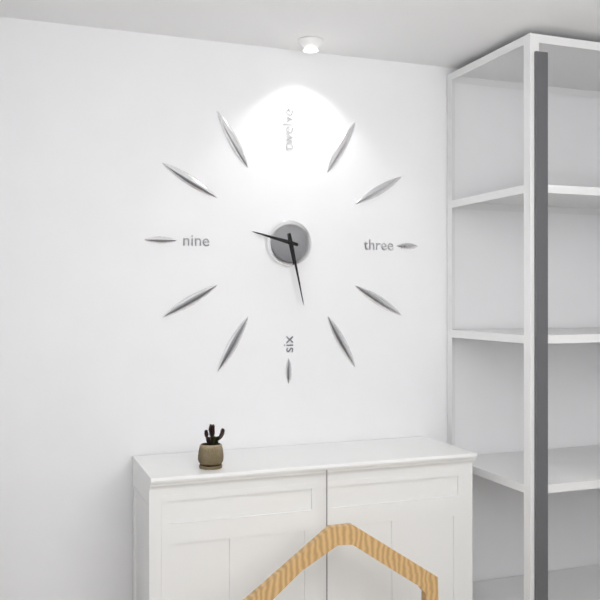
9:28
